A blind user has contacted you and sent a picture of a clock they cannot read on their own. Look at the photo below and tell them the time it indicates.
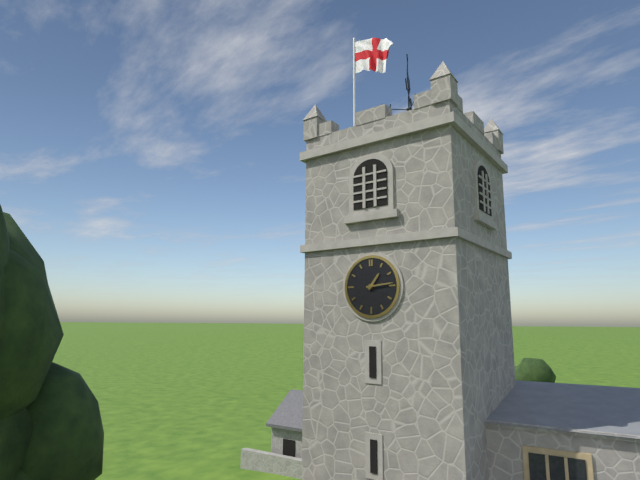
1:14
